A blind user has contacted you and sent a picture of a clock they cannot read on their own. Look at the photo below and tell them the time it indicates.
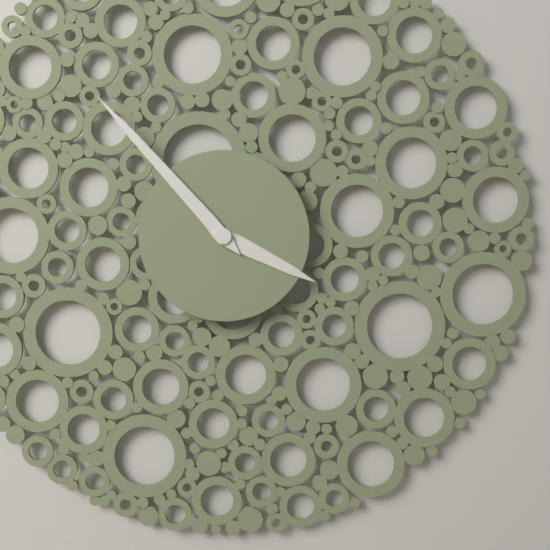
3:53
